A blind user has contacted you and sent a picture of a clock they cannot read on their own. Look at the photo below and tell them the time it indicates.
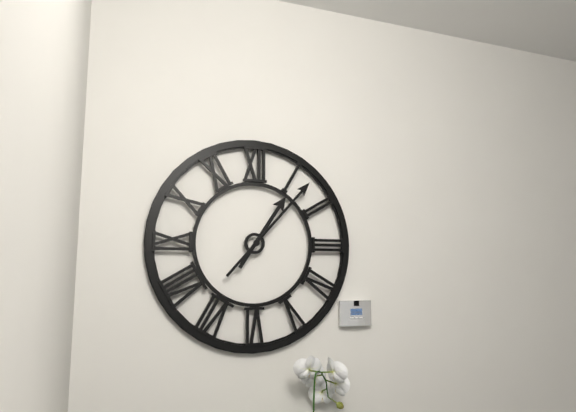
1:07
